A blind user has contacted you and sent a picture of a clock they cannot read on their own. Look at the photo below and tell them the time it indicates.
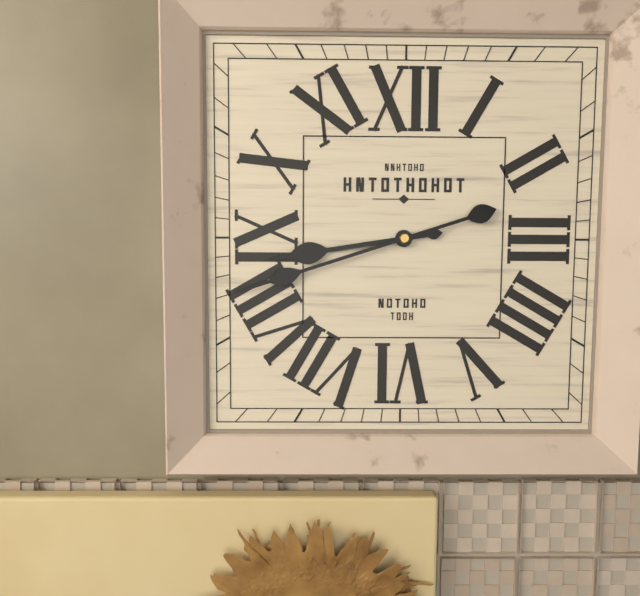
8:42
